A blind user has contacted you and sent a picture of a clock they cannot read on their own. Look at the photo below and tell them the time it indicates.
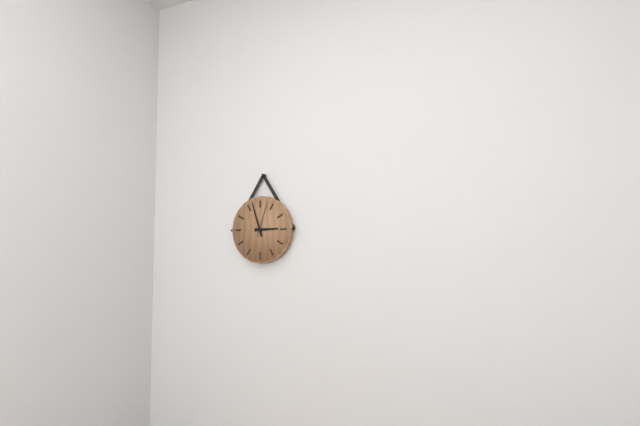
2:57
